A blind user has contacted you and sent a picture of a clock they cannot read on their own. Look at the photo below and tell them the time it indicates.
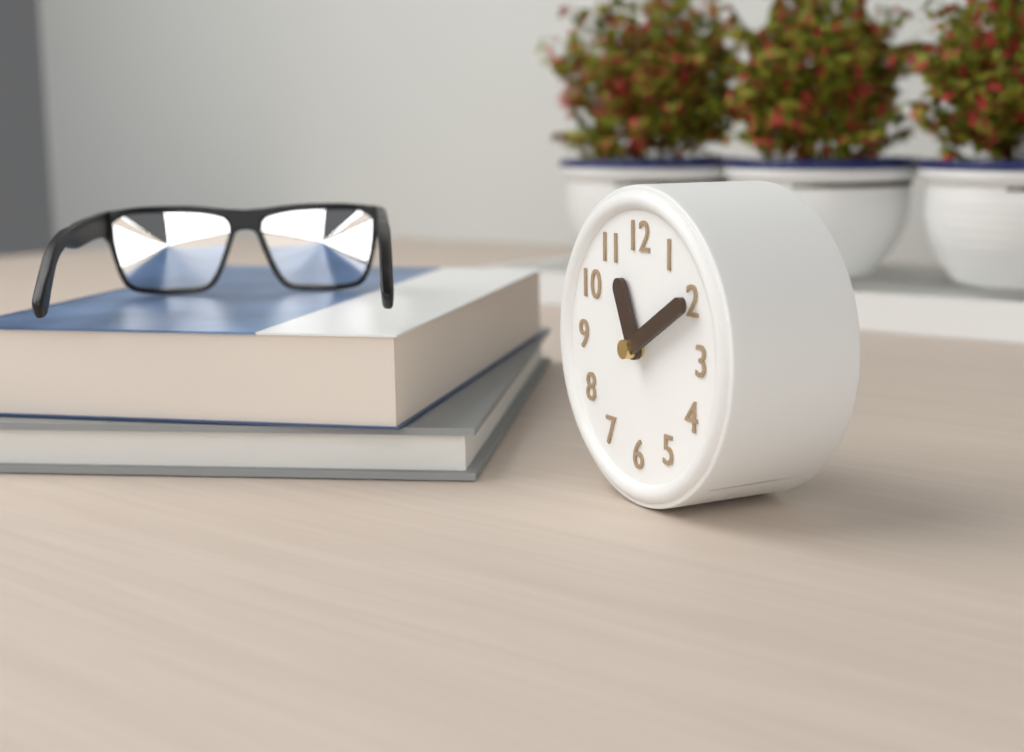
11:10
